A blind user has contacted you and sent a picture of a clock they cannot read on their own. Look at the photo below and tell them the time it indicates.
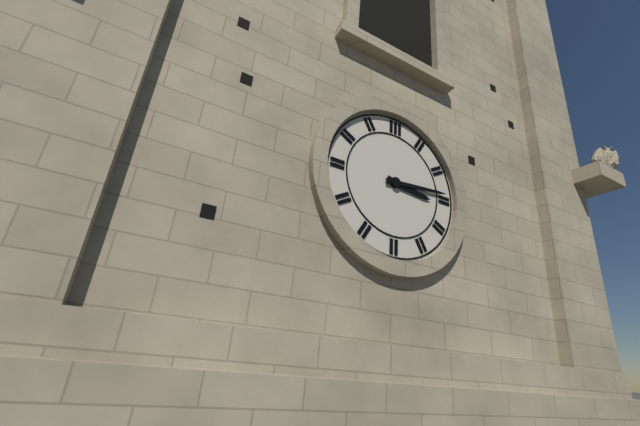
3:14
